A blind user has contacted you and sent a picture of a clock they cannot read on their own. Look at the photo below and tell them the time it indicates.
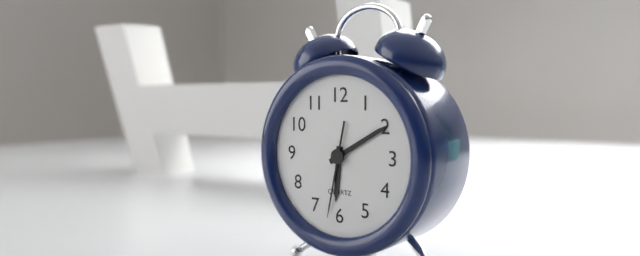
6:10:32
